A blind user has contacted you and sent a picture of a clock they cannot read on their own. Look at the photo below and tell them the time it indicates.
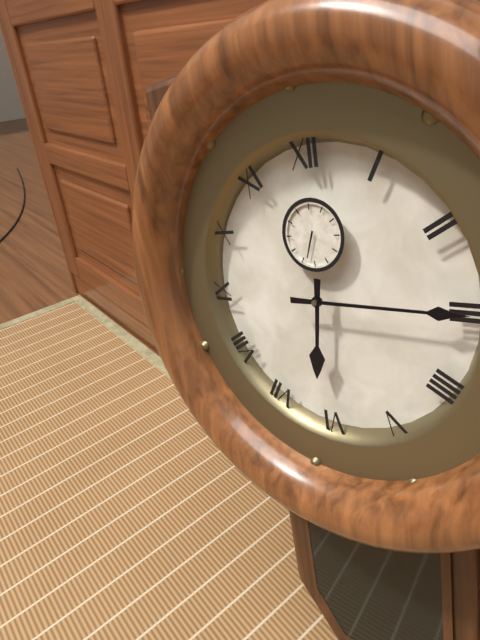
6:15
